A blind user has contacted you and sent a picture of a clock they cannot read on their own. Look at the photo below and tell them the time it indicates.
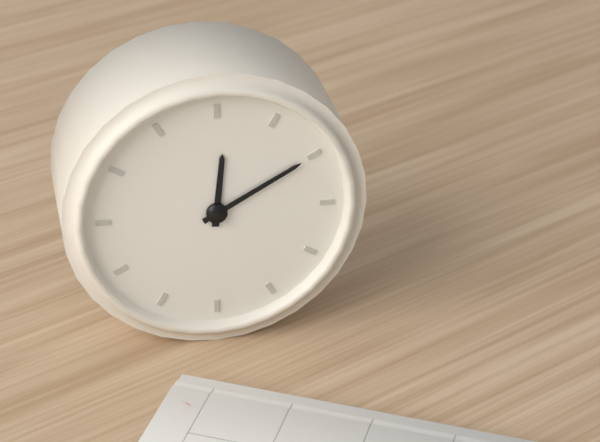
12:10
